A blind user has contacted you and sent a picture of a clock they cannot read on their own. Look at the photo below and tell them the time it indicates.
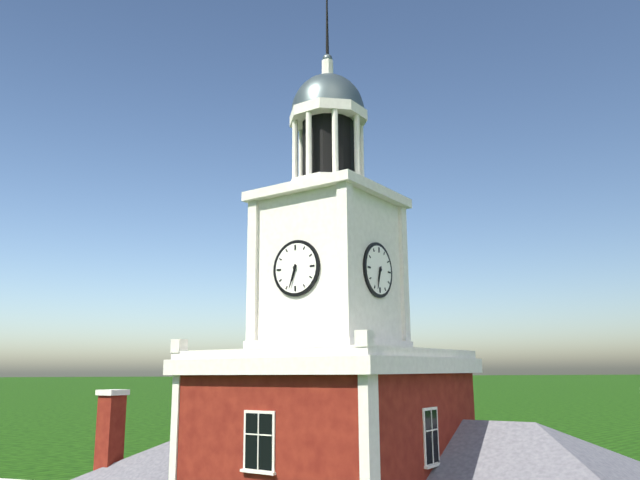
6:33
